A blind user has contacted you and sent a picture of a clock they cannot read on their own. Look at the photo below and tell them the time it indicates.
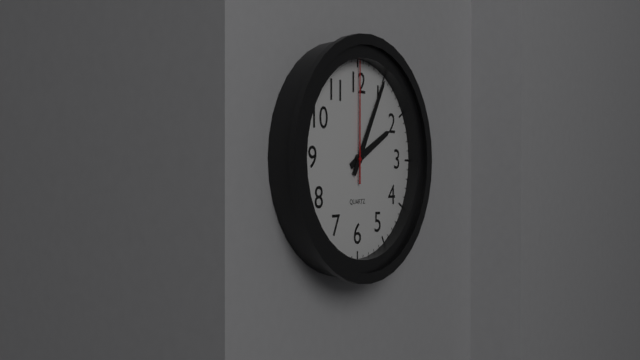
2:05:00
